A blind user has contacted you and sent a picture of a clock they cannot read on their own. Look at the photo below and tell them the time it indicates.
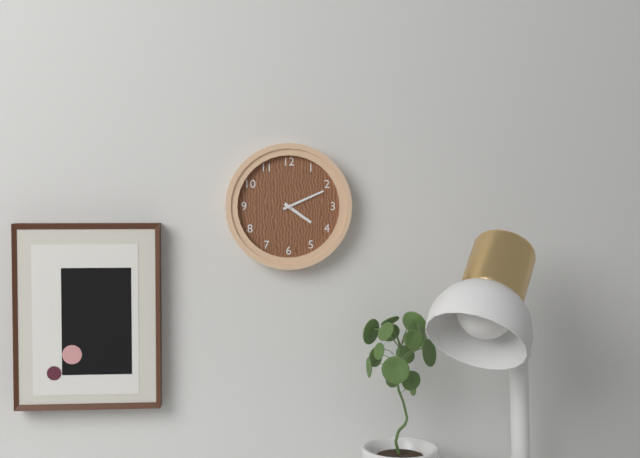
4:11
